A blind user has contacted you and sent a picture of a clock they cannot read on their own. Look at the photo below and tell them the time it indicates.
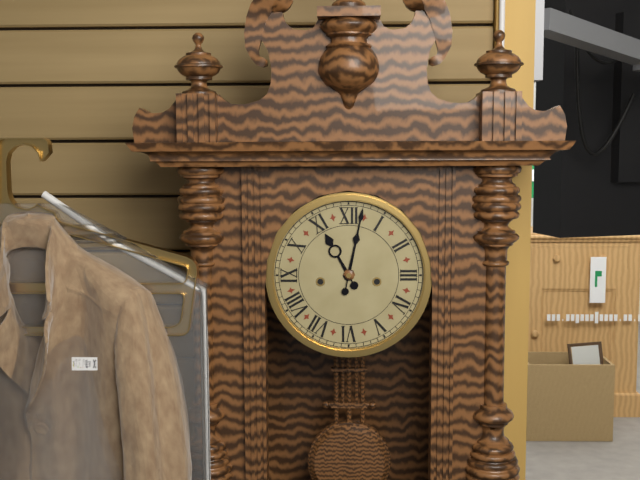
11:02
